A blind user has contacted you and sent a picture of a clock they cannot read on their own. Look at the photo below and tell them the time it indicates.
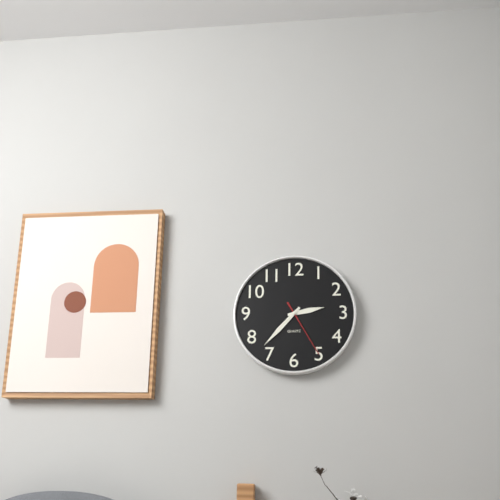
2:37:25
